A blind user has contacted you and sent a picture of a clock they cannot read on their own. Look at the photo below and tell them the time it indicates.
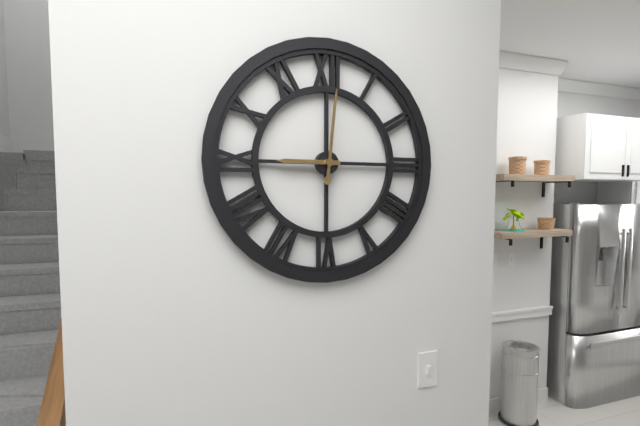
9:01
